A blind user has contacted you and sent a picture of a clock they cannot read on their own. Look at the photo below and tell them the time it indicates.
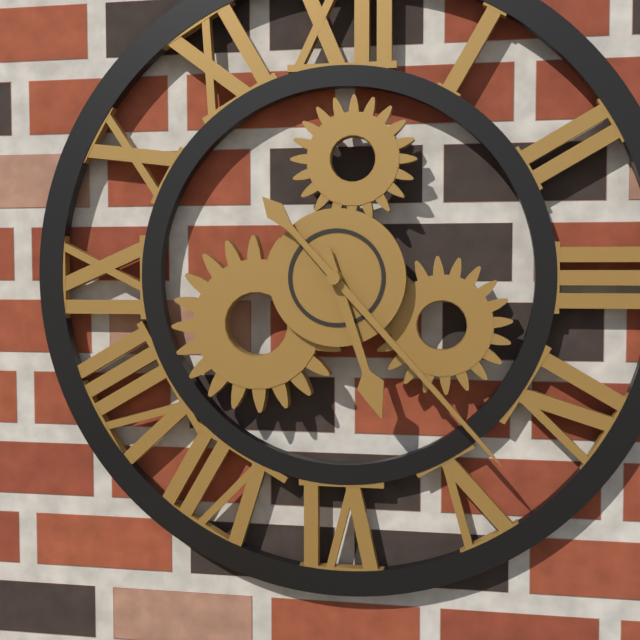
5:23
